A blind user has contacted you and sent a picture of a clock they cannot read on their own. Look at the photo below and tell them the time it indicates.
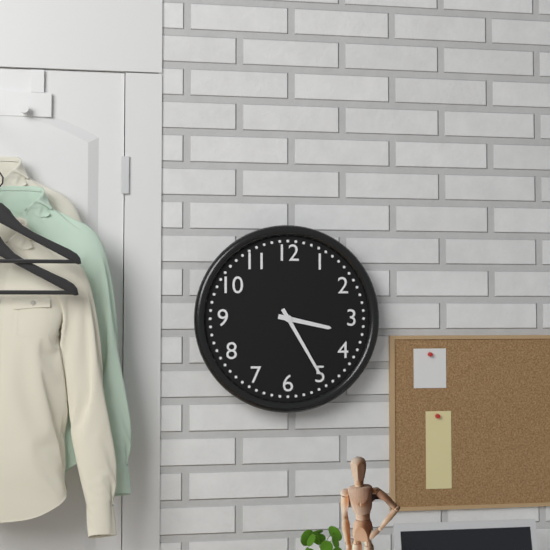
3:25
